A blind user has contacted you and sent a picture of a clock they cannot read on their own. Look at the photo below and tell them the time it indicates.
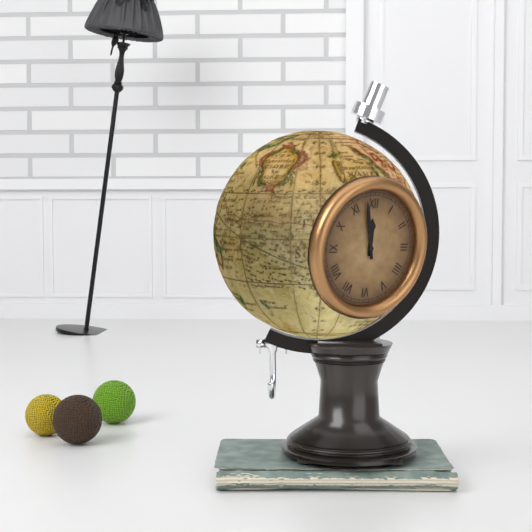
11:58
